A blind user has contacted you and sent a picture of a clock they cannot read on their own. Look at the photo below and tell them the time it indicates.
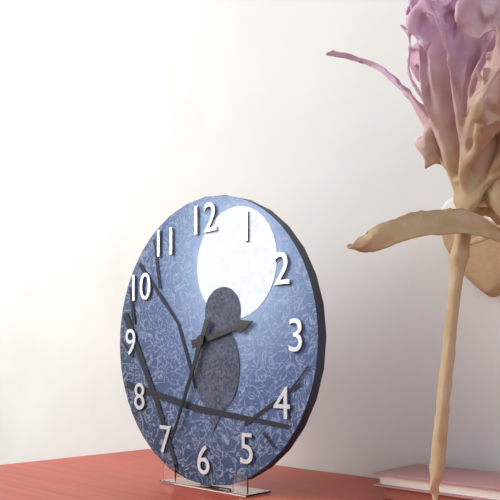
2:34
